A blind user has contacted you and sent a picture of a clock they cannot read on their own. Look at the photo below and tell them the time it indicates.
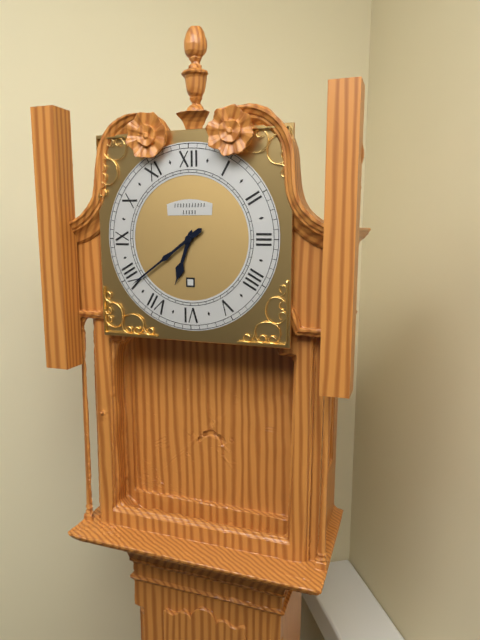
6:39
